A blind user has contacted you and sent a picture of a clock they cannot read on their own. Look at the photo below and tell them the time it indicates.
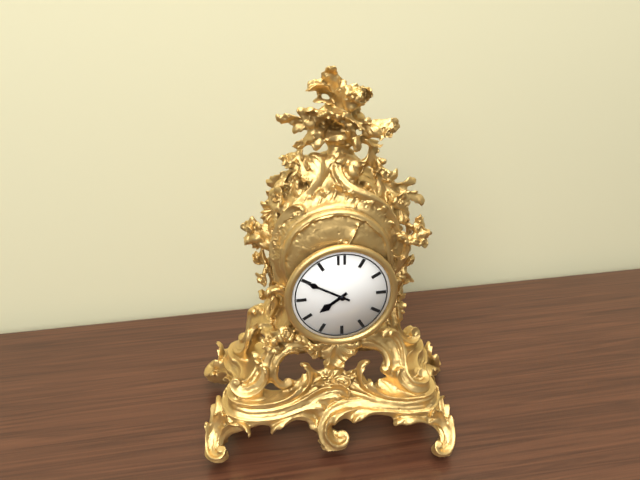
7:50
